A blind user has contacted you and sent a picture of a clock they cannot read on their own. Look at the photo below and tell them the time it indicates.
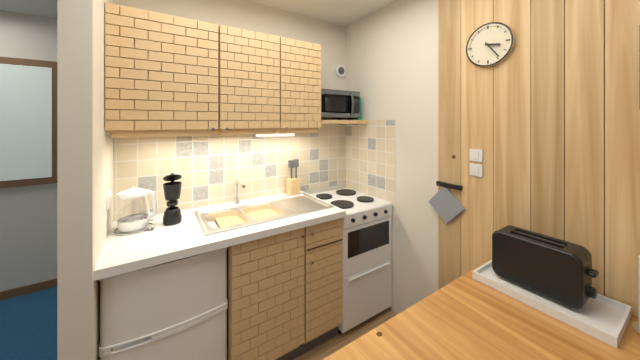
3:24
